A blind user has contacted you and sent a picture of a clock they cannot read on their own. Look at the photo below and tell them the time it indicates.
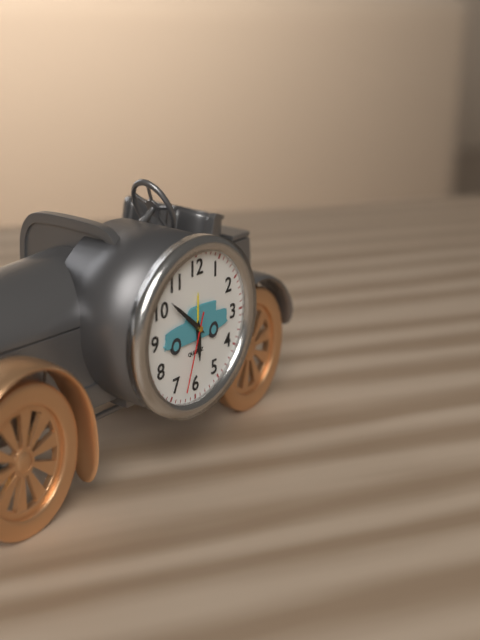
5:52:33
